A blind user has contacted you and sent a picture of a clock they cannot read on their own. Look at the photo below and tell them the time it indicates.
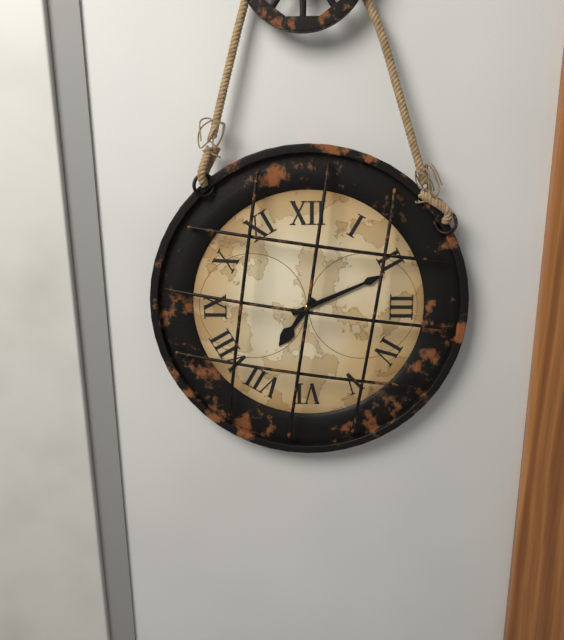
7:11
